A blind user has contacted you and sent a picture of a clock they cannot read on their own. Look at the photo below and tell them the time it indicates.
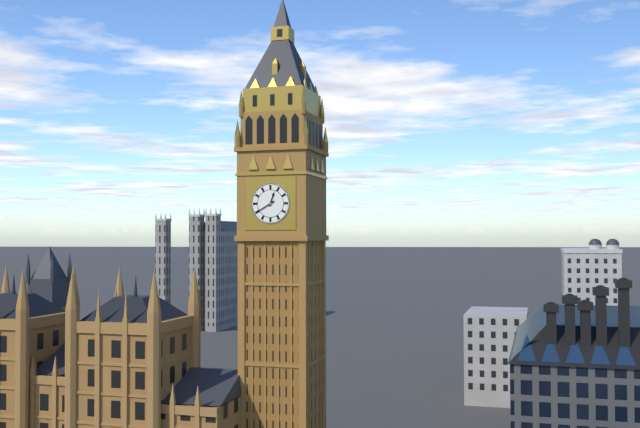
12:40
